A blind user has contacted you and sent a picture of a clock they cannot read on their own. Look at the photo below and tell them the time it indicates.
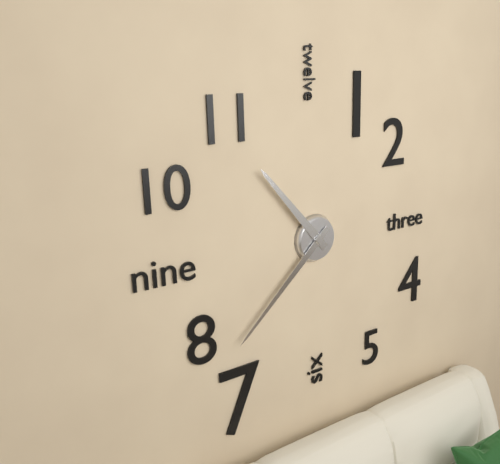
10:38
